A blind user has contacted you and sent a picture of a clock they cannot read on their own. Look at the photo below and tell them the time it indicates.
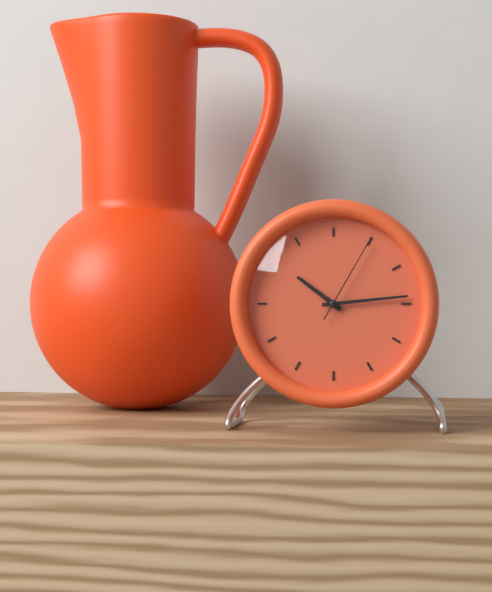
10:14:05
